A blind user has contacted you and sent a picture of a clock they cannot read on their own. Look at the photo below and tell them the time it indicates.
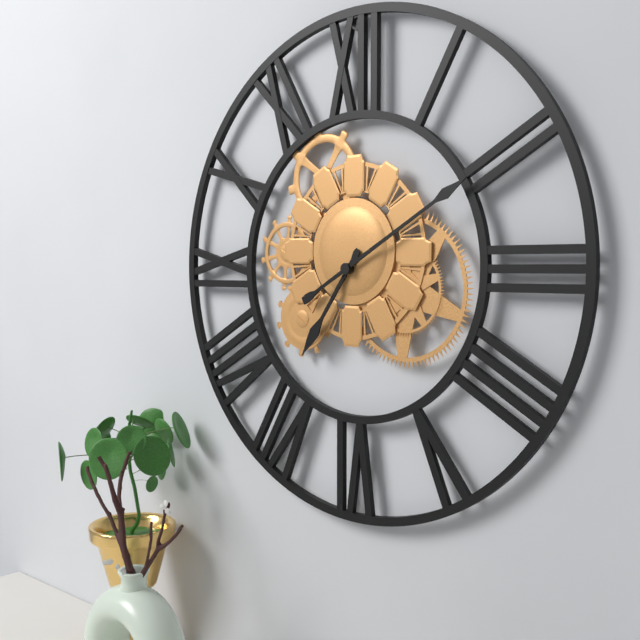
7:10
